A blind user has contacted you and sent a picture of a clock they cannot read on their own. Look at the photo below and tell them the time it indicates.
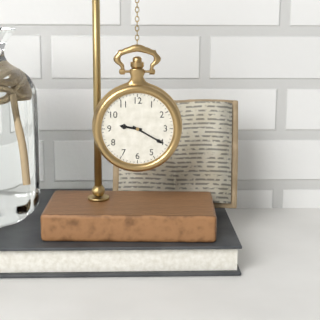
9:20
